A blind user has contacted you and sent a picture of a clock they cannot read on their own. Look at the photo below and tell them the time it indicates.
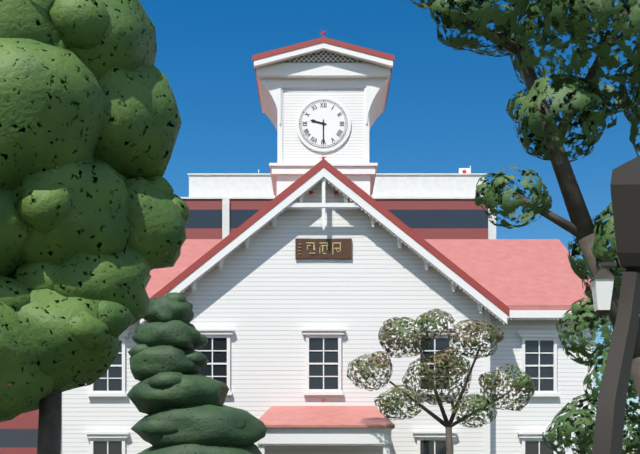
9:30
